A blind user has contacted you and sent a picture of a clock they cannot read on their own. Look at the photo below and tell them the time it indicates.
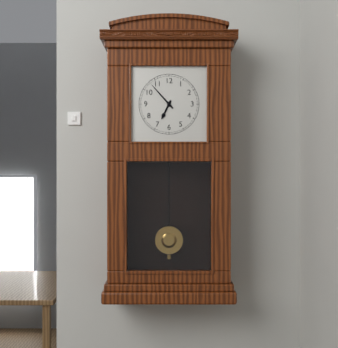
6:53
